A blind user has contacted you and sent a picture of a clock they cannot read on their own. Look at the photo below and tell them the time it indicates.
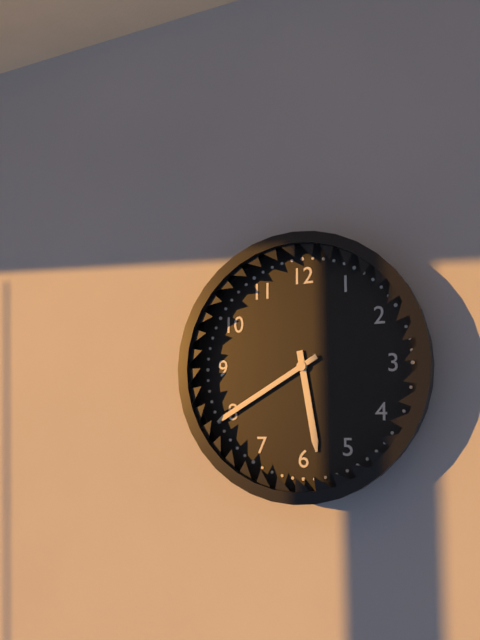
5:40
